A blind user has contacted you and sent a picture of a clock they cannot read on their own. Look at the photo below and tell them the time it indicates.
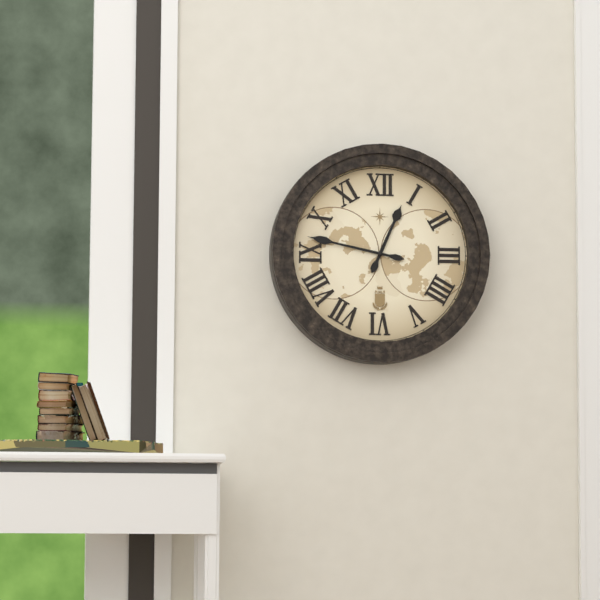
12:47
